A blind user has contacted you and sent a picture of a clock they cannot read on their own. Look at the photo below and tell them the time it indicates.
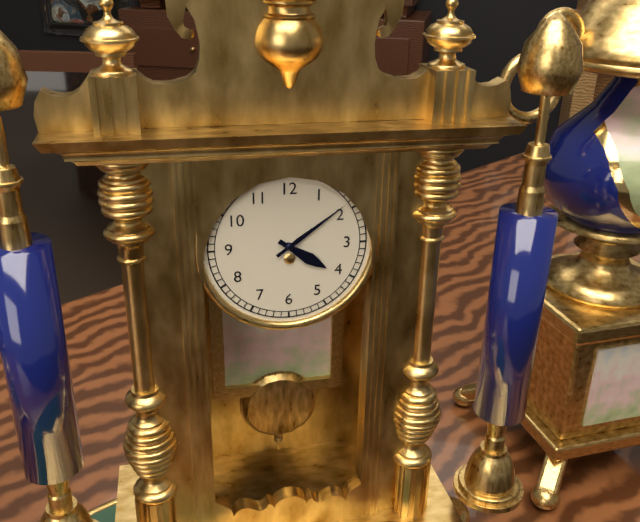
4:09
